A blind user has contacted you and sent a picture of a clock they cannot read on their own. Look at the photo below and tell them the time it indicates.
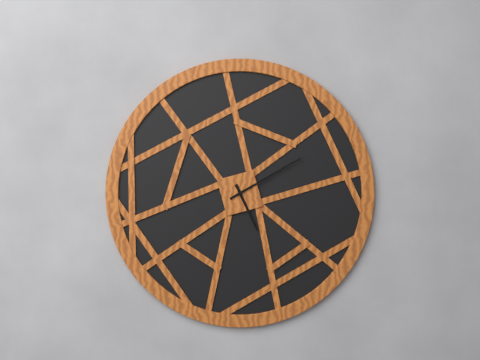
5:10
